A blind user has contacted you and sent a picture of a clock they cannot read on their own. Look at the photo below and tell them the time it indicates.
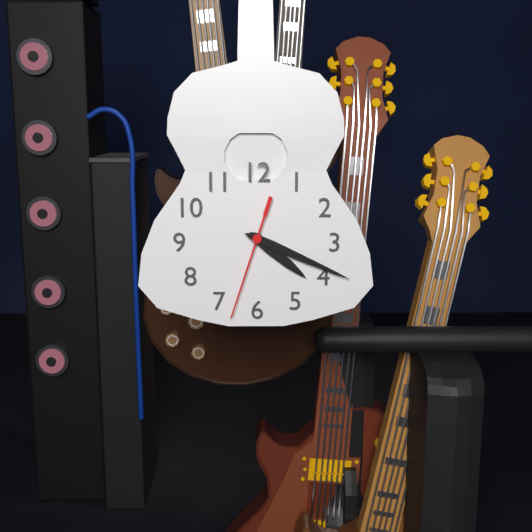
4:19:33
